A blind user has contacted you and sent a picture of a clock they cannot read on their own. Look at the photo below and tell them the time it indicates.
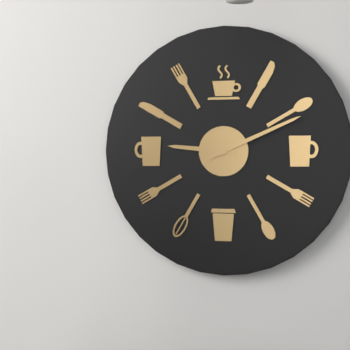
9:11
